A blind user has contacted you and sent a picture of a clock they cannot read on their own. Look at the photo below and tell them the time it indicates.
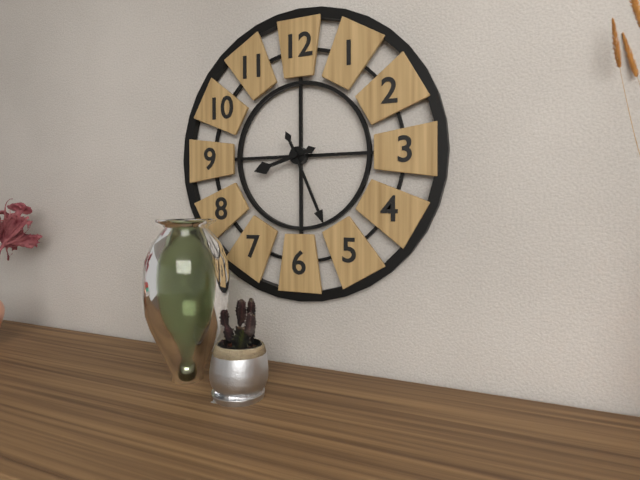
8:26
